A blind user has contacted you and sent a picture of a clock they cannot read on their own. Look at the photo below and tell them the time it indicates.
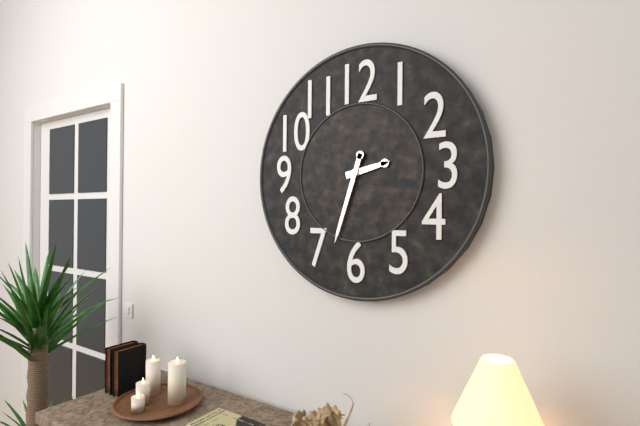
2:33
